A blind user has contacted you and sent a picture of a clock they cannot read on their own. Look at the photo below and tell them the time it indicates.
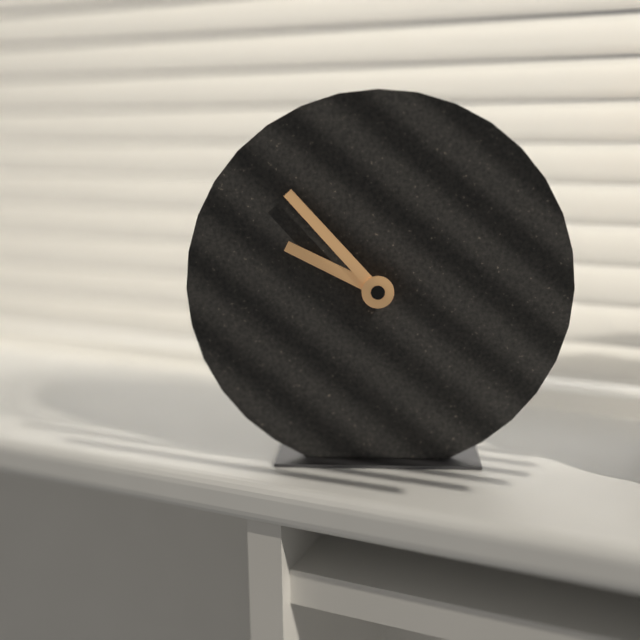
9:53
